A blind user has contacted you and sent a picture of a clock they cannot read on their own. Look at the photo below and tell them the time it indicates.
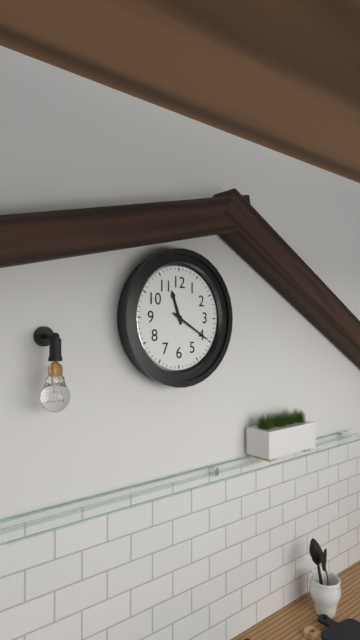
11:20
